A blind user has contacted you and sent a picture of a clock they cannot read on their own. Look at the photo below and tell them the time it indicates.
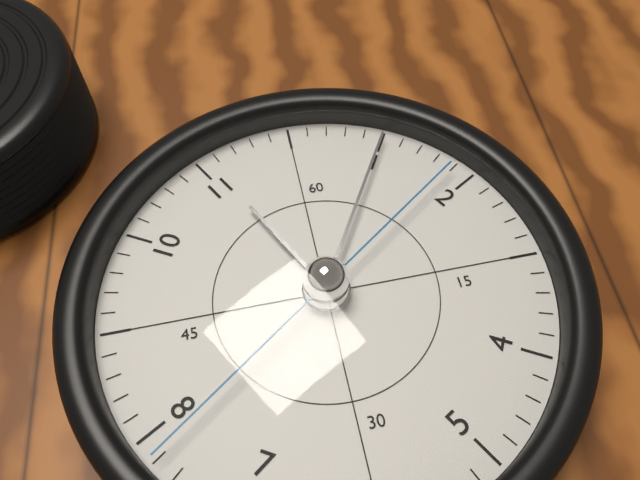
11:05:39
